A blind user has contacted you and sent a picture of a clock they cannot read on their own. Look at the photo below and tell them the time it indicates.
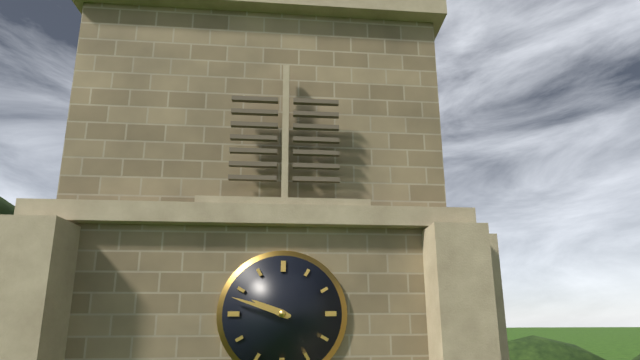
9:48
